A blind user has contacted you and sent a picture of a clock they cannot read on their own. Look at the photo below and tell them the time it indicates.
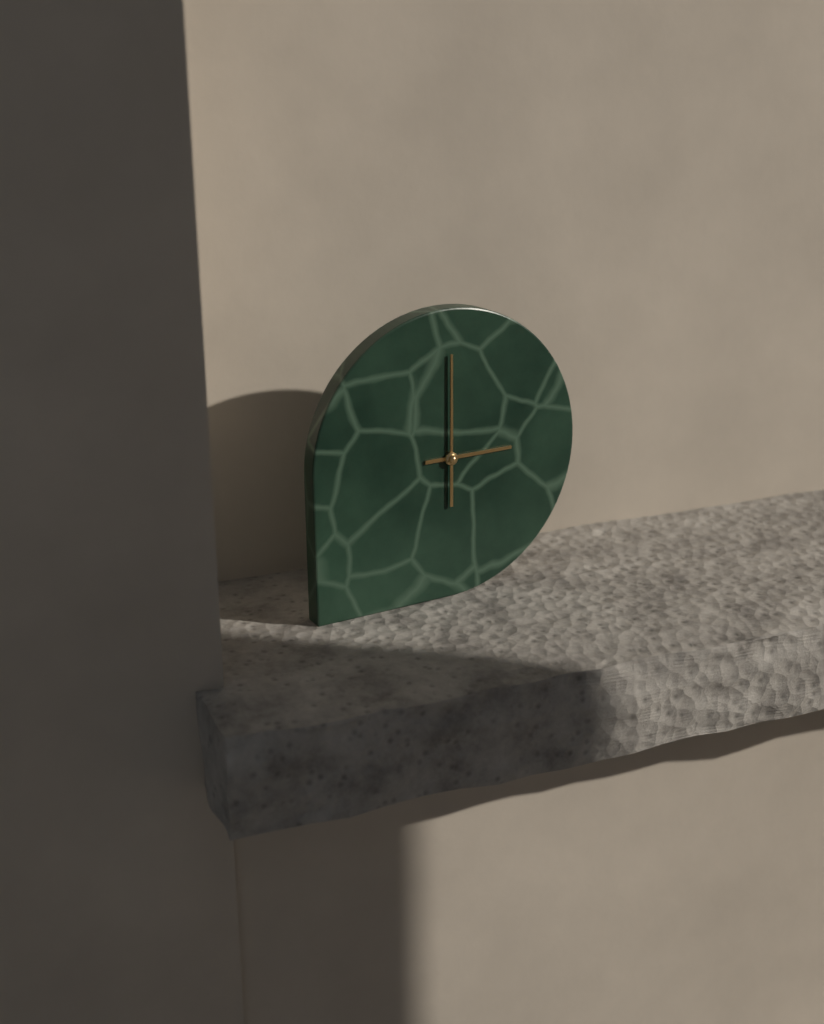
3:00
